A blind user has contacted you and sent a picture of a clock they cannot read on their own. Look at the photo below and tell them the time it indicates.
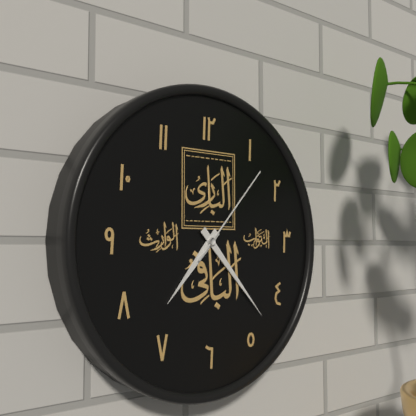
7:23:07
